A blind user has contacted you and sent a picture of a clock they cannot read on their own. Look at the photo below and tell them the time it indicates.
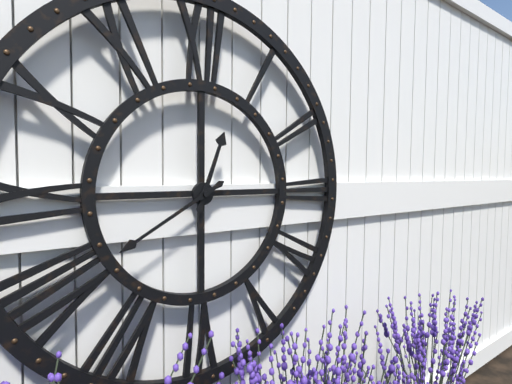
12:40
